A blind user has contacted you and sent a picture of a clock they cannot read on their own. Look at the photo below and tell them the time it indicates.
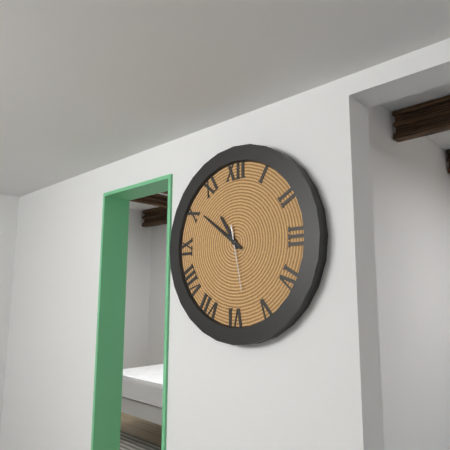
10:51:28
